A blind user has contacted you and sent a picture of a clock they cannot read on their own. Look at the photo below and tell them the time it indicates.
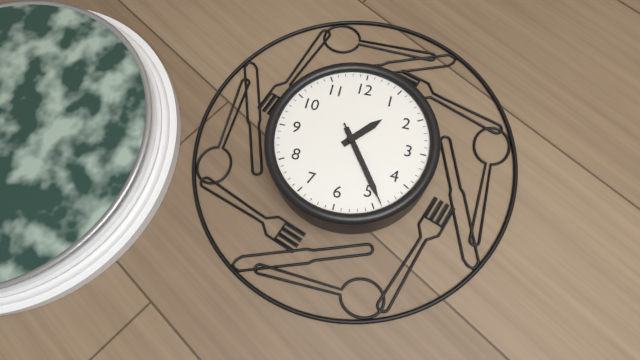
1:24:24
